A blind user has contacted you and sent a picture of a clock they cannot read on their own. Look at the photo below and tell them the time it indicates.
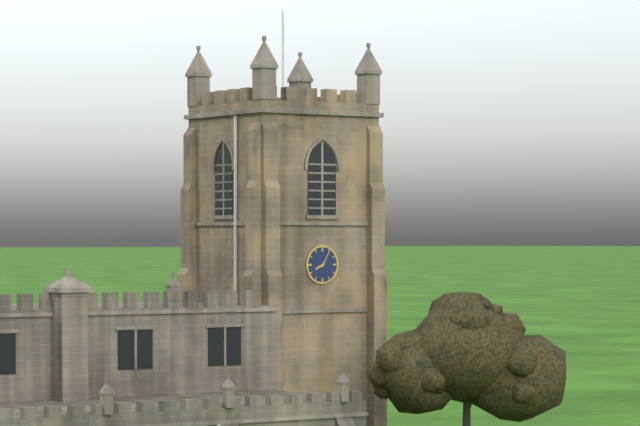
8:05
